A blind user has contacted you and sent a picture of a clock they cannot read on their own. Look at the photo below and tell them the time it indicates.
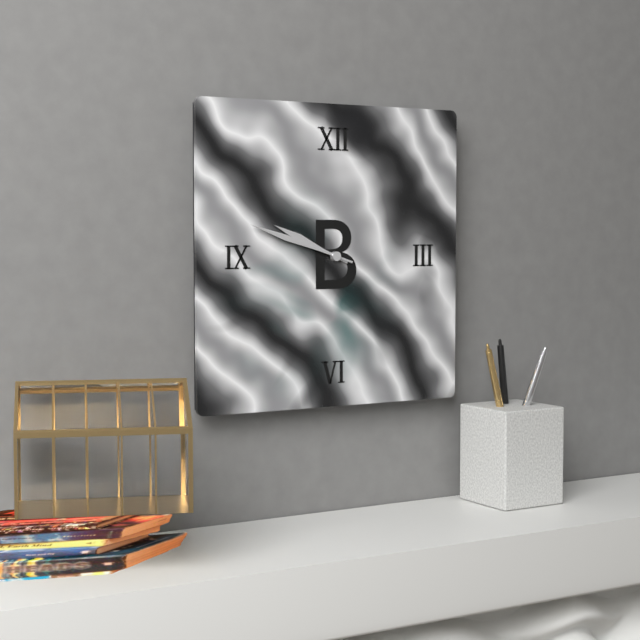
9:48
